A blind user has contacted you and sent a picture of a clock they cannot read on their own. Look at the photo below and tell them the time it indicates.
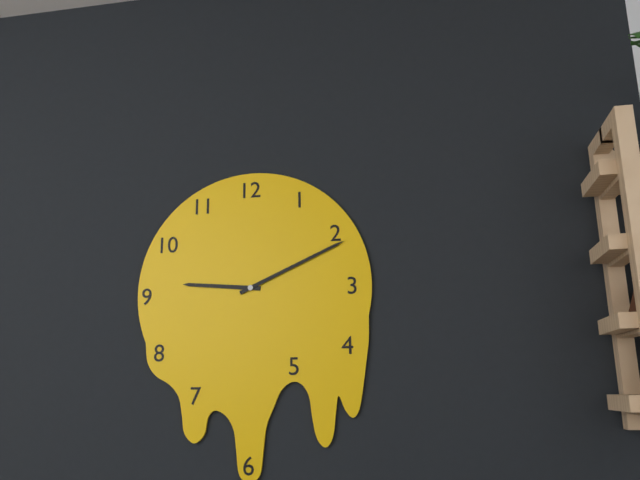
9:11
